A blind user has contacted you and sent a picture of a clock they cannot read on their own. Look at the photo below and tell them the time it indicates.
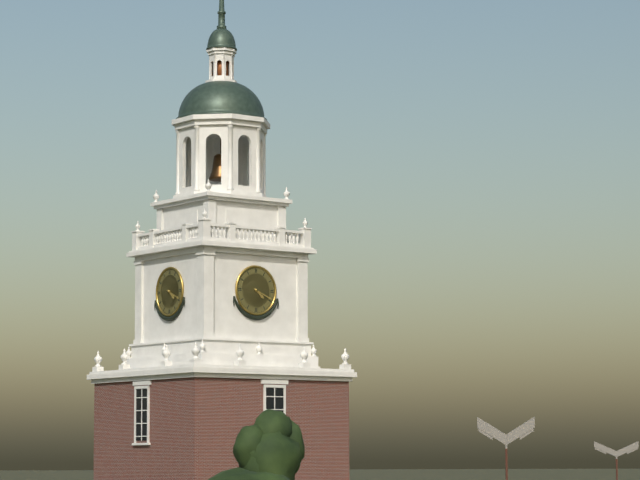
4:19
